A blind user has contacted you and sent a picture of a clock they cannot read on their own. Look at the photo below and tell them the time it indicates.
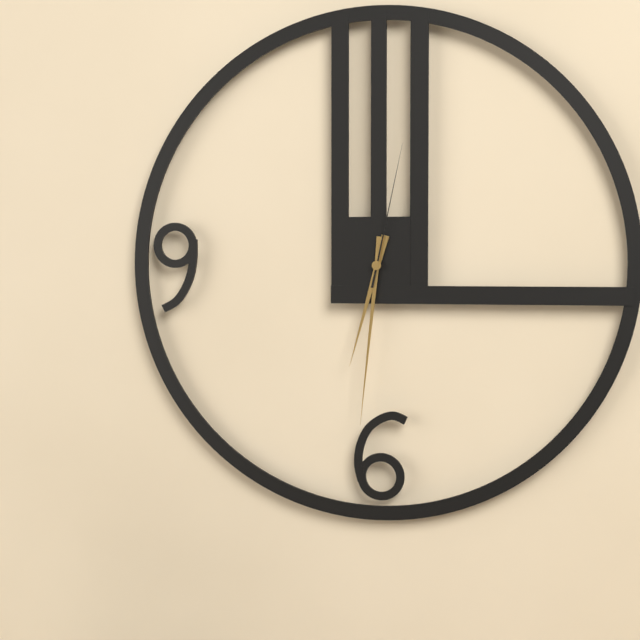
6:31:02
